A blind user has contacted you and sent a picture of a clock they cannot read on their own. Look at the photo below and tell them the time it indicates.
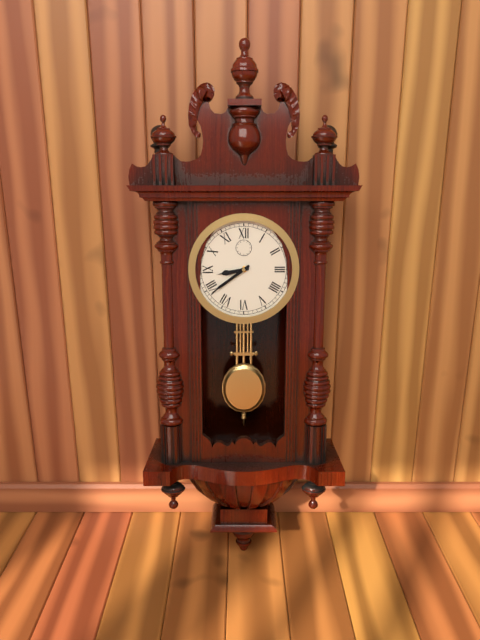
8:39
